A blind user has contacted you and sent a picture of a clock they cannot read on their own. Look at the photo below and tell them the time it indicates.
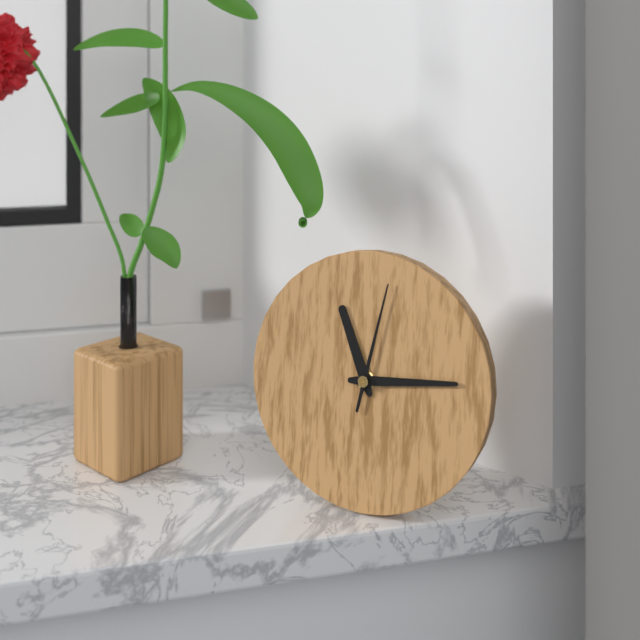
11:14:02
